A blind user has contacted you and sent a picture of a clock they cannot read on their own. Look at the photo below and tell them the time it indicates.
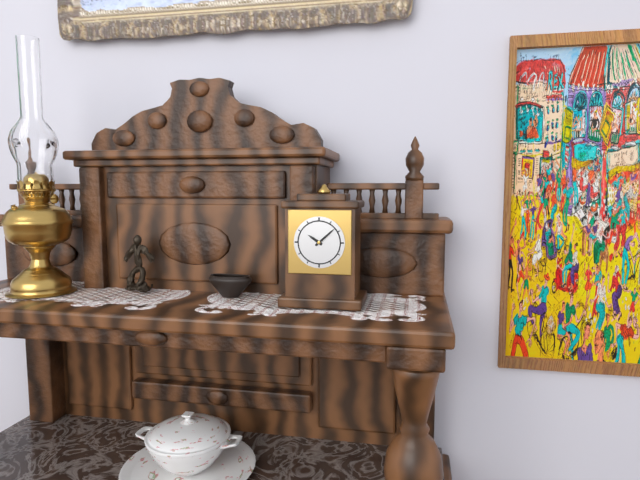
10:08
